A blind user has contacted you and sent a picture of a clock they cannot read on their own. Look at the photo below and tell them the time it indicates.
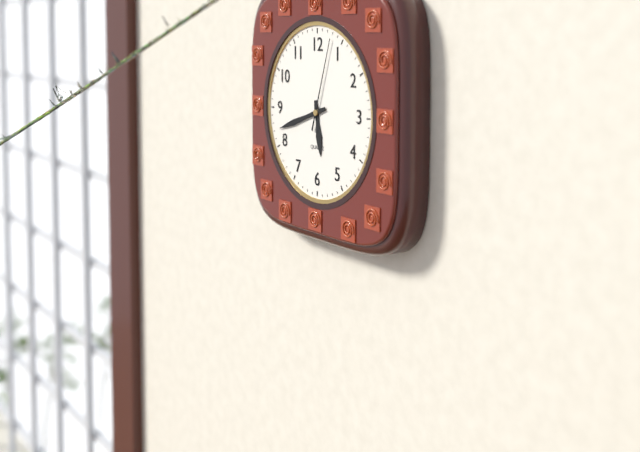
5:42:03
